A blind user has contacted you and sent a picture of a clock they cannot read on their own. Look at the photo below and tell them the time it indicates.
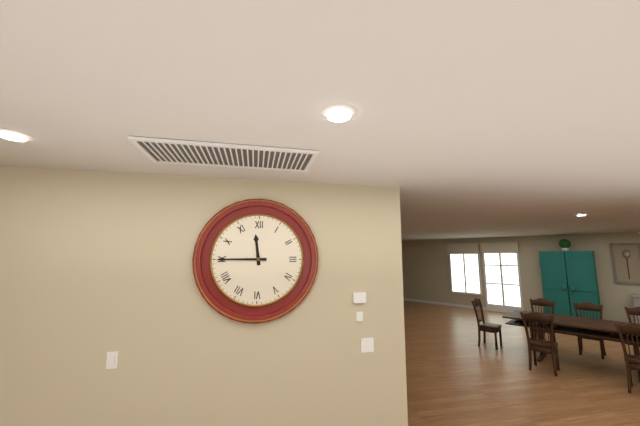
11:45
